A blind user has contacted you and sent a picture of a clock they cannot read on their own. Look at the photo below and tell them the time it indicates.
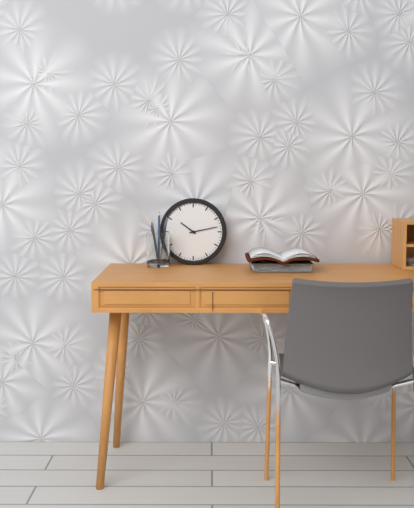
10:13
